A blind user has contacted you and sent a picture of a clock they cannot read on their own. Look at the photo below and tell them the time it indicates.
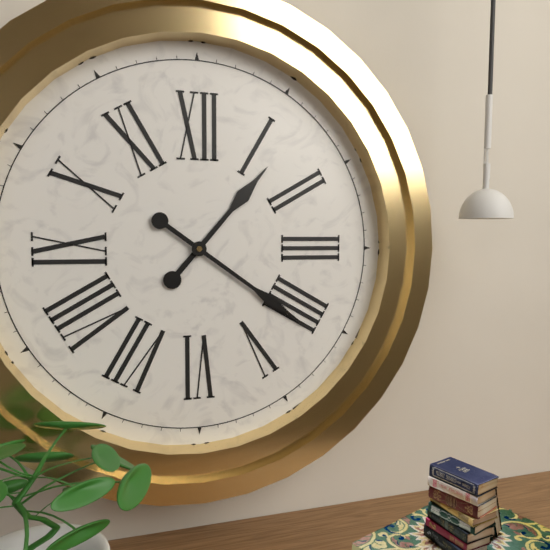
1:21
